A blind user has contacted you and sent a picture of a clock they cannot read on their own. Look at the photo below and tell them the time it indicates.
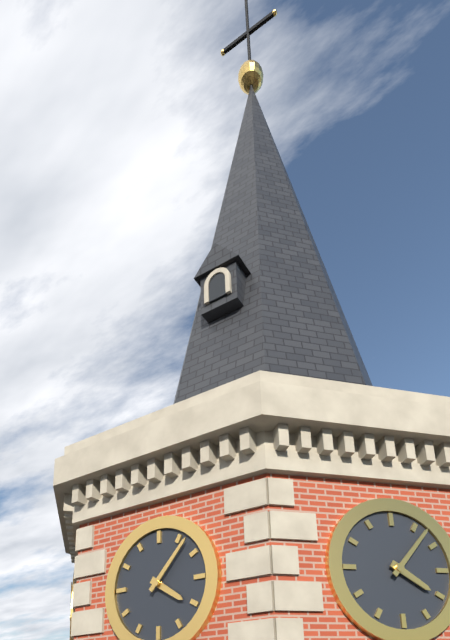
4:07
